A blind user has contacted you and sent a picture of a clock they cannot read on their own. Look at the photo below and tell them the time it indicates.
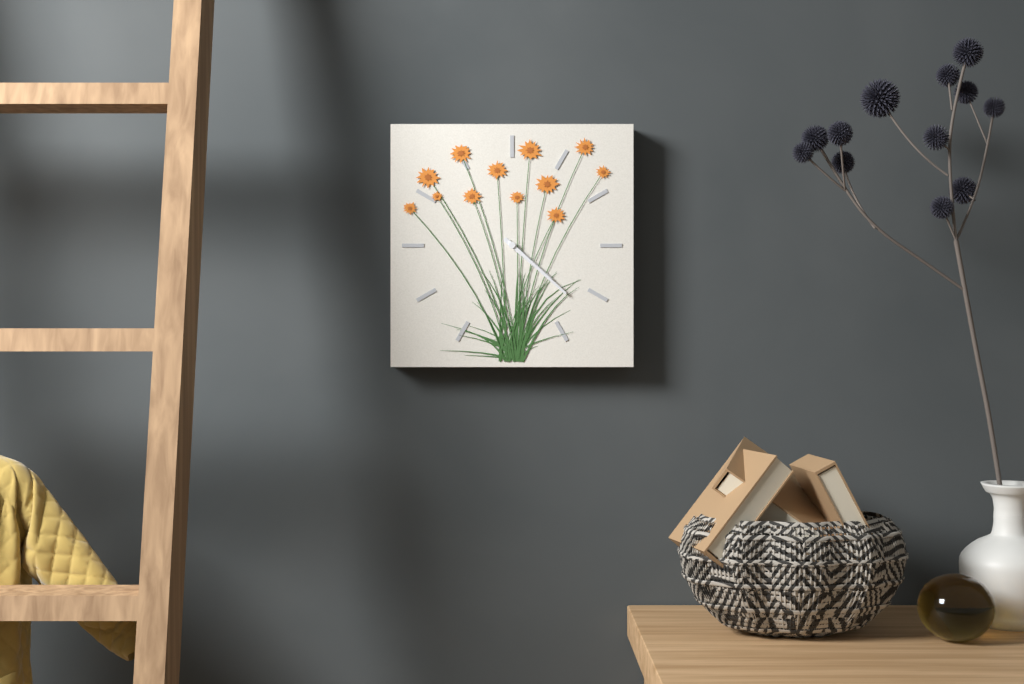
4:22
